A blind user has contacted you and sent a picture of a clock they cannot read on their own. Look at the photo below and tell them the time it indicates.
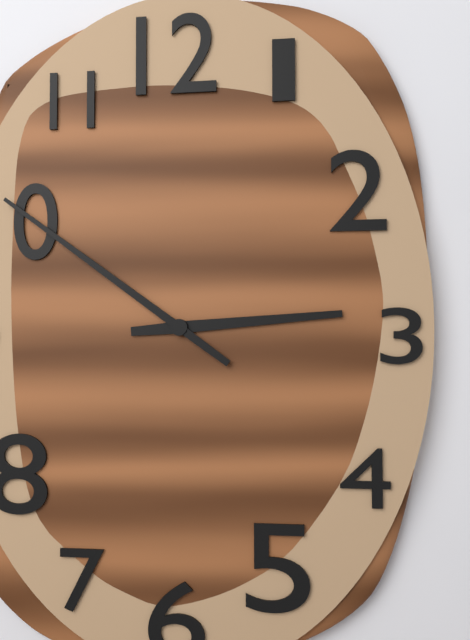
2:51
